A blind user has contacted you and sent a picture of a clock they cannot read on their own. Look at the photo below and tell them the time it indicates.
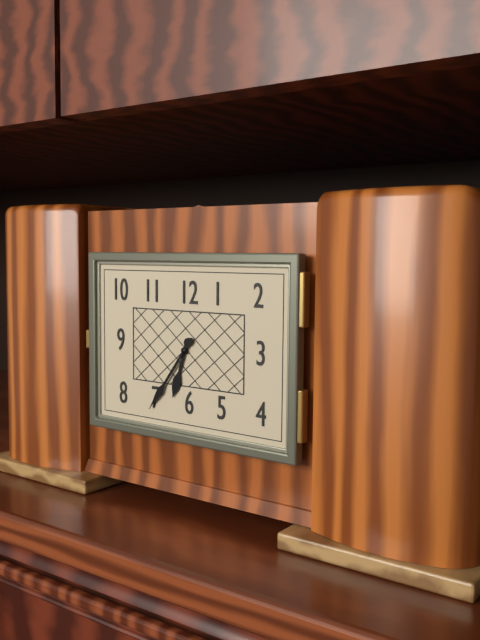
6:36
